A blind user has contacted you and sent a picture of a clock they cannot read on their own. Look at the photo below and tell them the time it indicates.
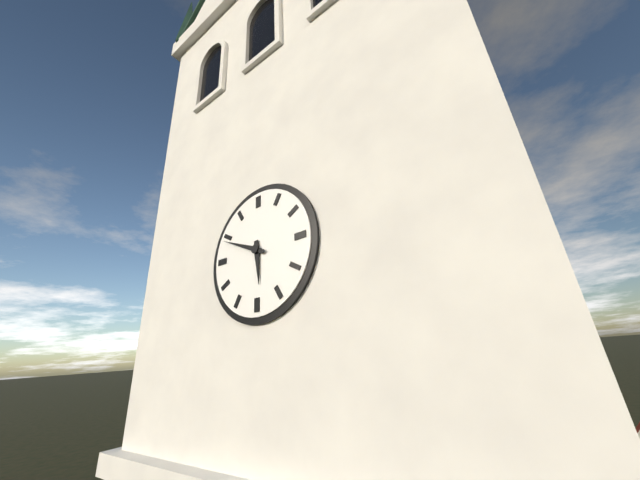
5:49
